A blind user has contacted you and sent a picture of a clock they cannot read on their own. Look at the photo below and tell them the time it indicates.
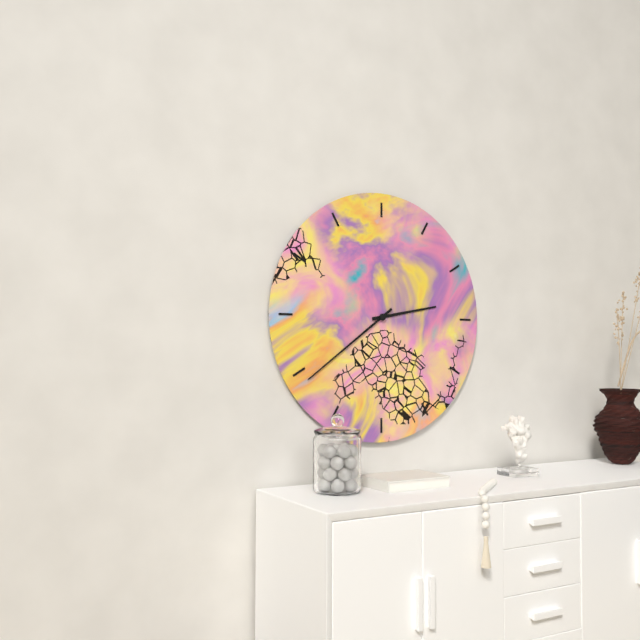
2:39
